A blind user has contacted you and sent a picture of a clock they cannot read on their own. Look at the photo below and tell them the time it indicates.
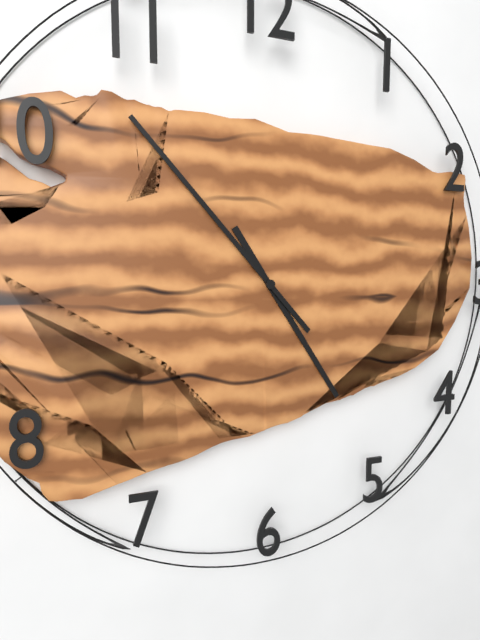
4:53
